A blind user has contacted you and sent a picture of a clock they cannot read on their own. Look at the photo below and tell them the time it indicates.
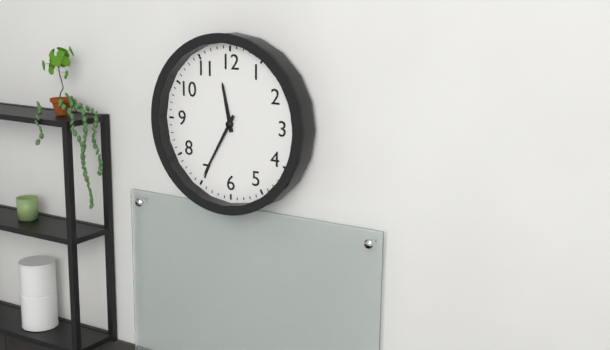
11:35
